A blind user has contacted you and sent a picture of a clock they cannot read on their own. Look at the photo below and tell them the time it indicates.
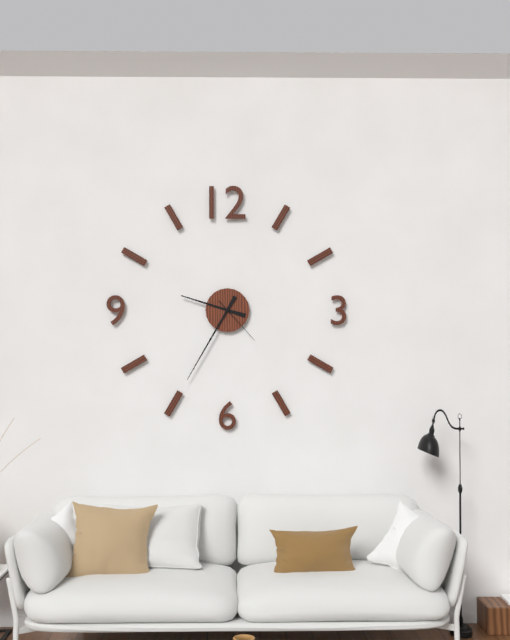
9:35:23
